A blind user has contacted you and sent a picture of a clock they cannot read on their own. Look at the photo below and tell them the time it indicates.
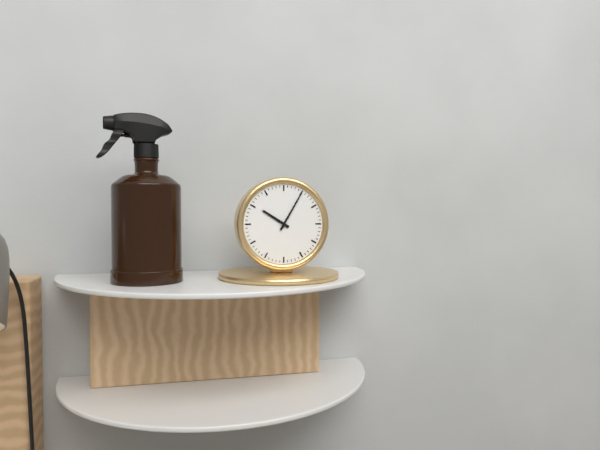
10:05
